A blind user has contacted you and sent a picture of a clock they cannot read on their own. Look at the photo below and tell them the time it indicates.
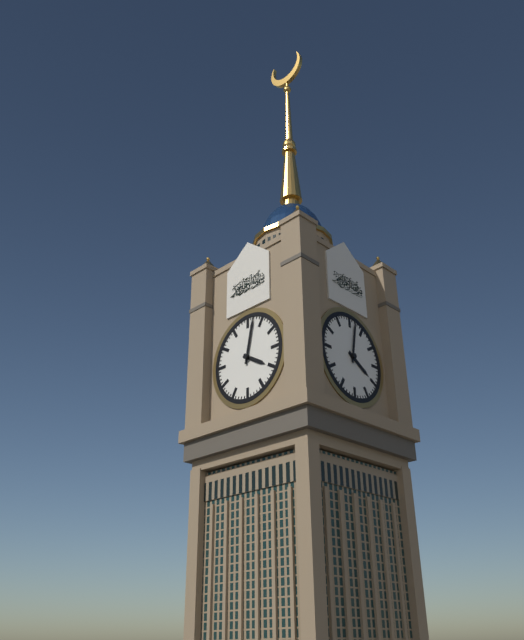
4:02
